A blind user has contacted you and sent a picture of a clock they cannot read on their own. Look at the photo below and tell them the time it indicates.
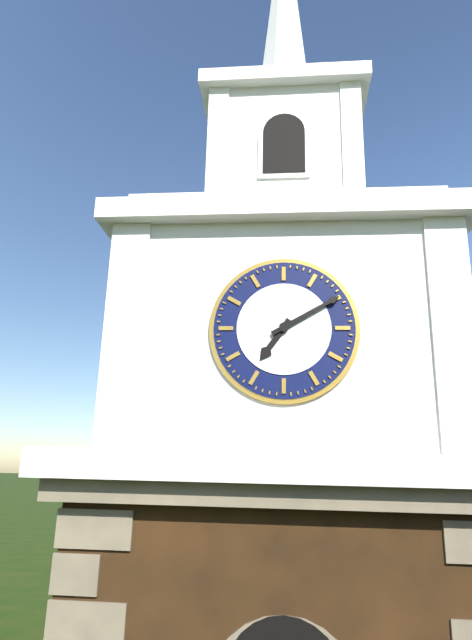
7:10
